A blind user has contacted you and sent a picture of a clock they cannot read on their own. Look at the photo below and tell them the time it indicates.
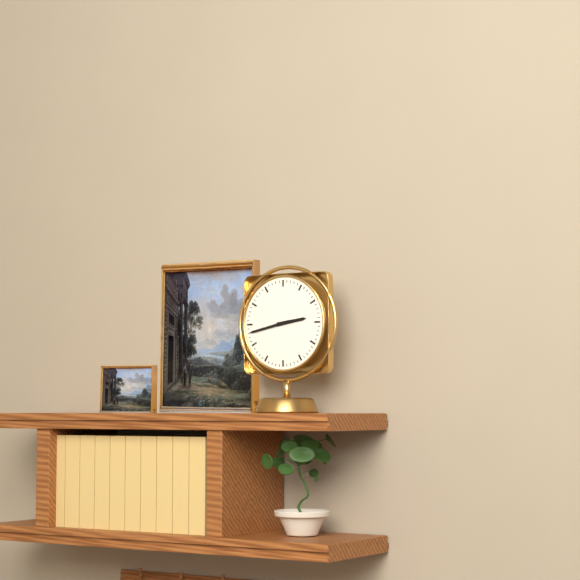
2:43
